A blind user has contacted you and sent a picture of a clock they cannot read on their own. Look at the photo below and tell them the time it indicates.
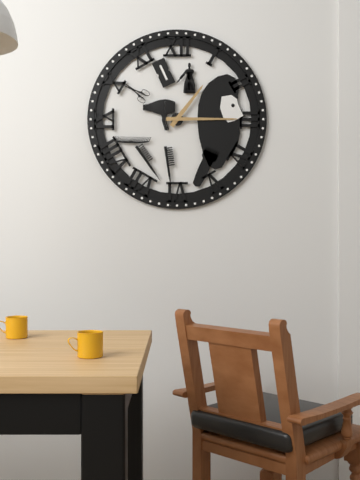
1:15
